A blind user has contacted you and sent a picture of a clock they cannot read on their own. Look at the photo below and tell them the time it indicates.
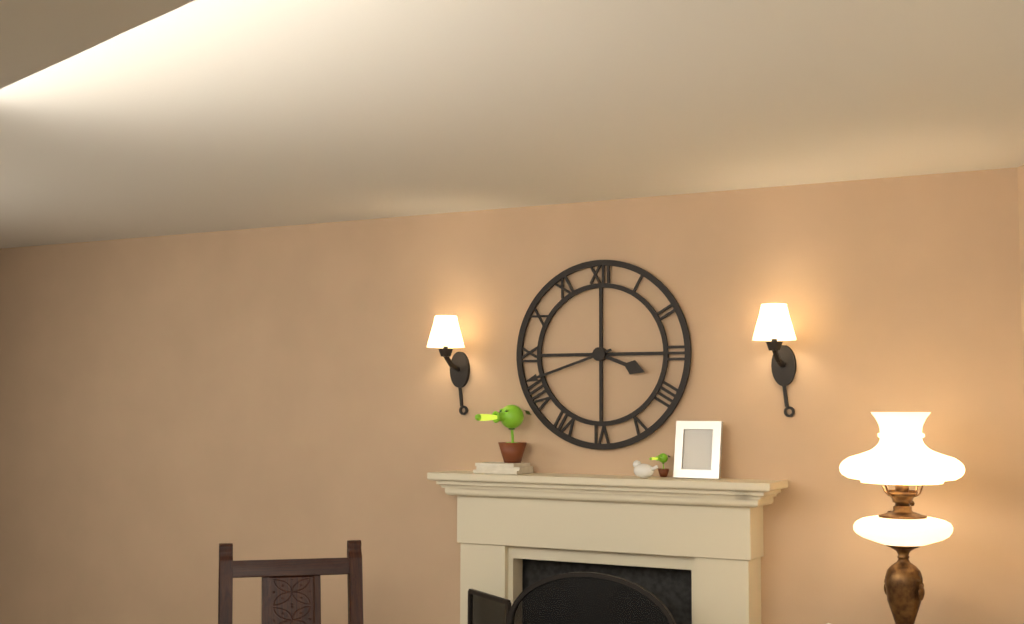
3:42
